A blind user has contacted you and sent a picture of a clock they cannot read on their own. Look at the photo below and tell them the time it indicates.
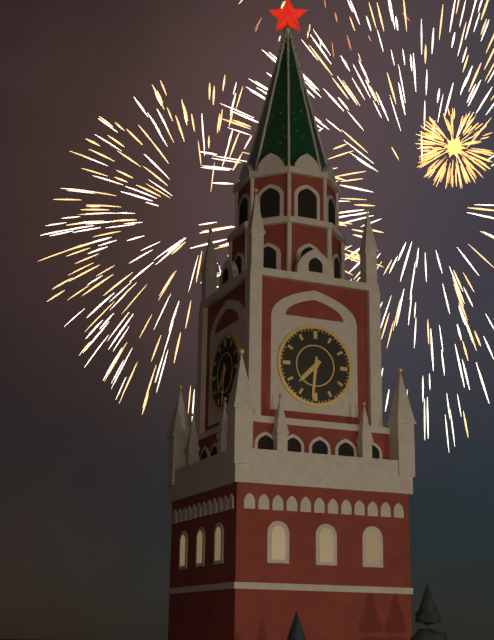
7:31
